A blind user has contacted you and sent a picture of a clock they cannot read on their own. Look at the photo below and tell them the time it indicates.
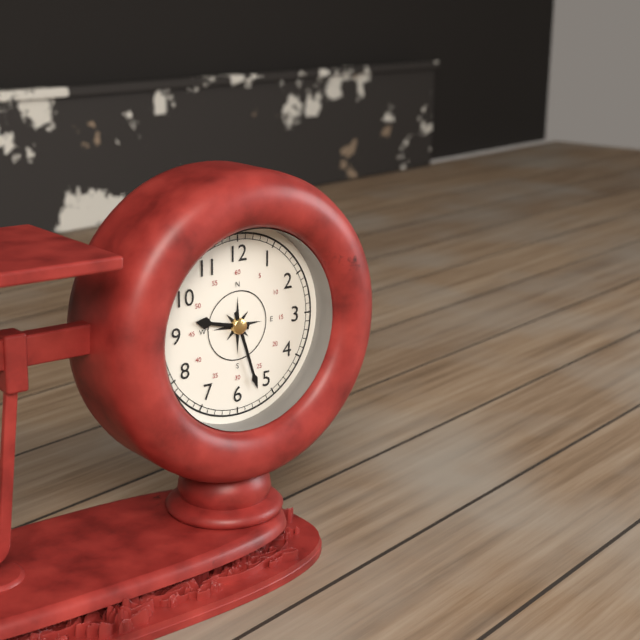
9:27
